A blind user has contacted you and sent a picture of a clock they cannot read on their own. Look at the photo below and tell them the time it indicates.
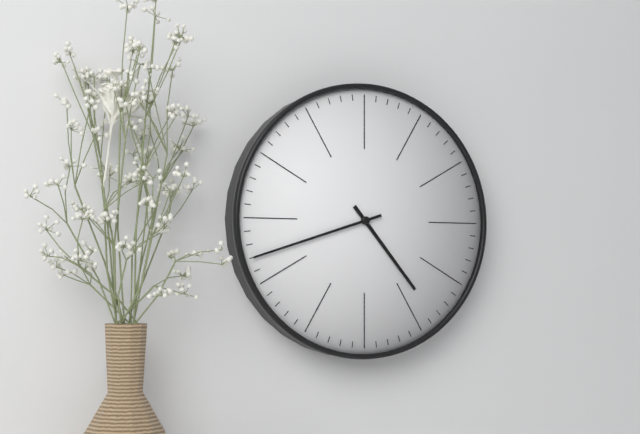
4:42
